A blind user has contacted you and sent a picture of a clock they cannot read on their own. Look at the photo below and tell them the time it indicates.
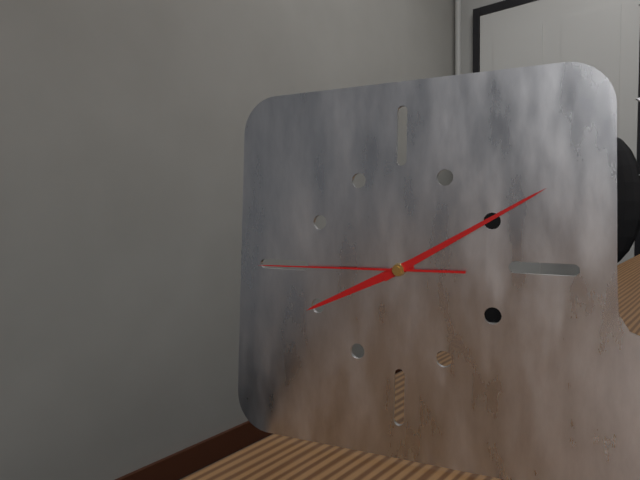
8:10:45
